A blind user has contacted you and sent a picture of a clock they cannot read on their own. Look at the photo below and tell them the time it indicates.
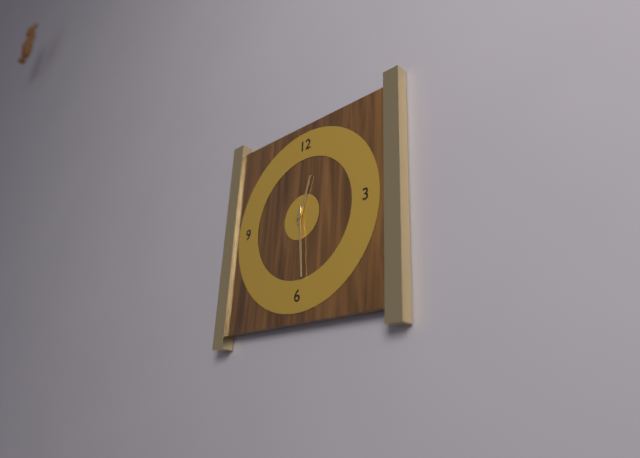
12:29
